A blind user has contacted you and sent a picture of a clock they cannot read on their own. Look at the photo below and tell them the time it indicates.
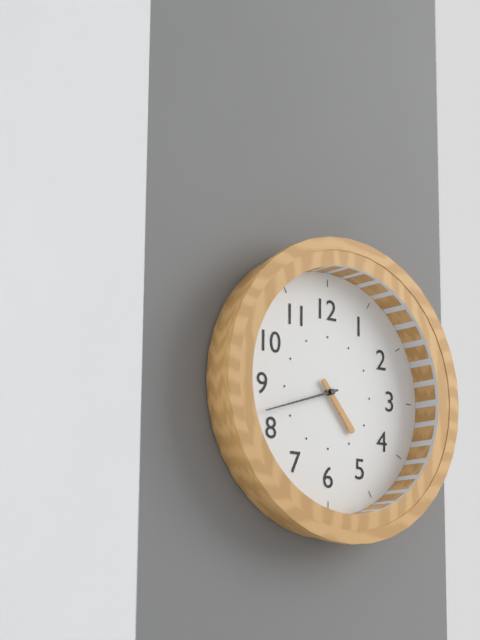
4:42
